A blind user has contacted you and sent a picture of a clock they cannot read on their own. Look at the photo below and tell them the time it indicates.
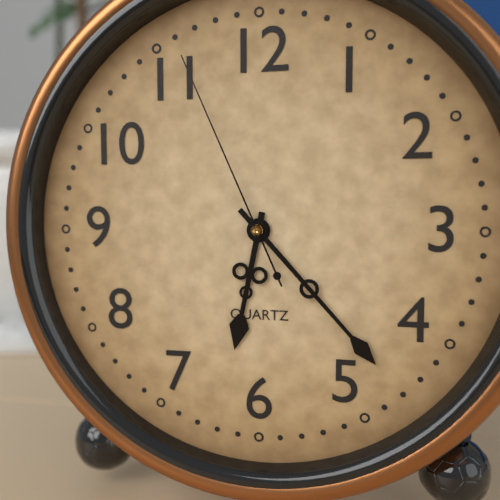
6:23:56
